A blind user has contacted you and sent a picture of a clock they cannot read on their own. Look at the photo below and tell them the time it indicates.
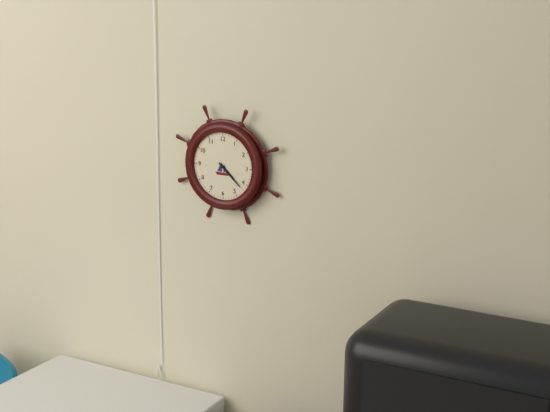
4:22
